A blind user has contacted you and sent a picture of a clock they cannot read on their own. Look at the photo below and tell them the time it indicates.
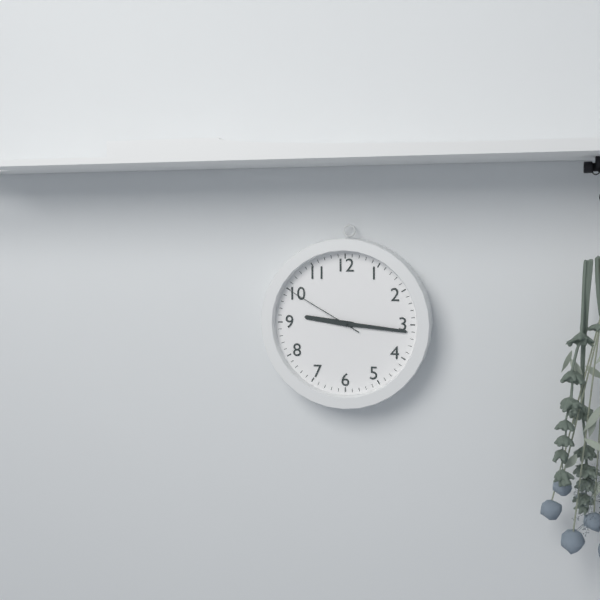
9:16:50
